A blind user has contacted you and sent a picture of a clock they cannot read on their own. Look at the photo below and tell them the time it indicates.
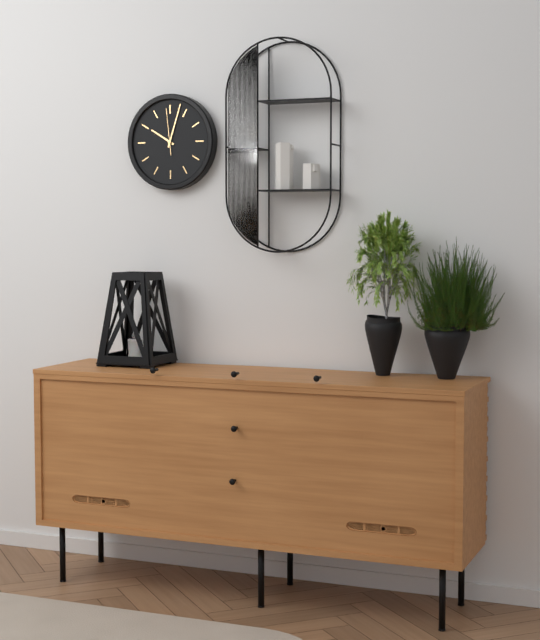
10:03
